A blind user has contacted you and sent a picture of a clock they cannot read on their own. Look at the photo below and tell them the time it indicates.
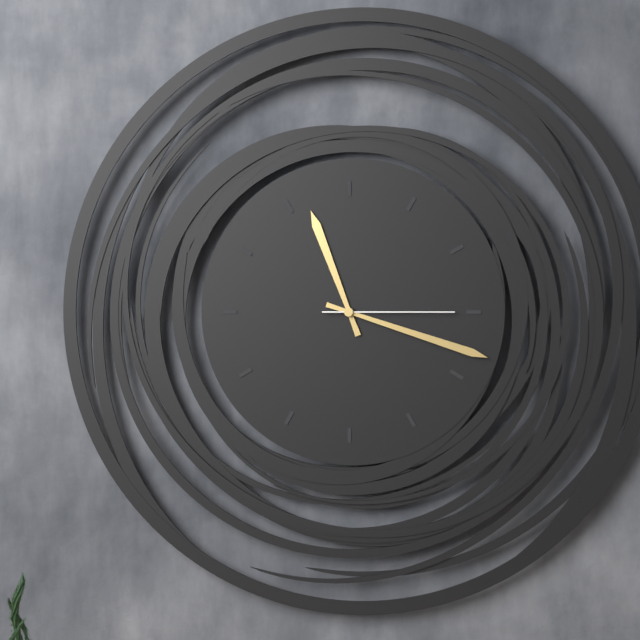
11:18:15
